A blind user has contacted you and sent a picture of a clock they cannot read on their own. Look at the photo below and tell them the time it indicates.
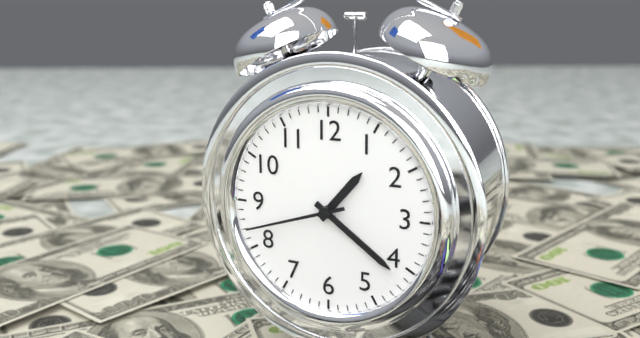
1:21:42
